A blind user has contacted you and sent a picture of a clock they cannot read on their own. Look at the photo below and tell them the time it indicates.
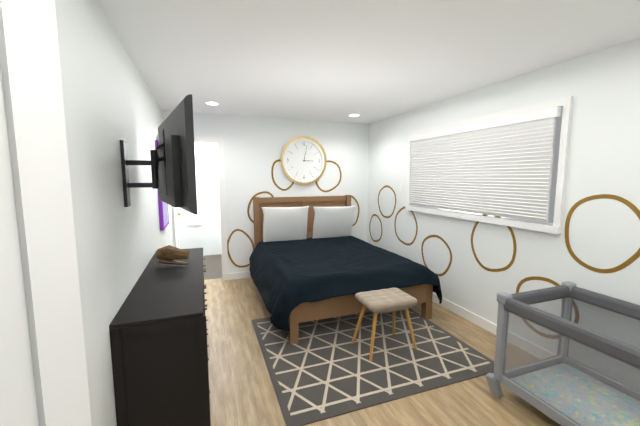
3:02
